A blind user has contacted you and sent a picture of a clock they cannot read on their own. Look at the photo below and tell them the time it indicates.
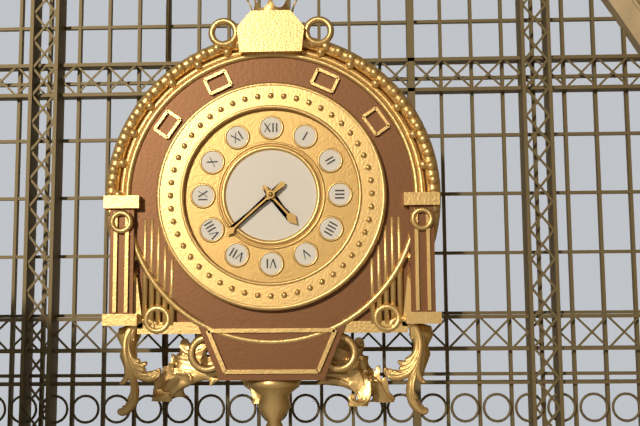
4:38
